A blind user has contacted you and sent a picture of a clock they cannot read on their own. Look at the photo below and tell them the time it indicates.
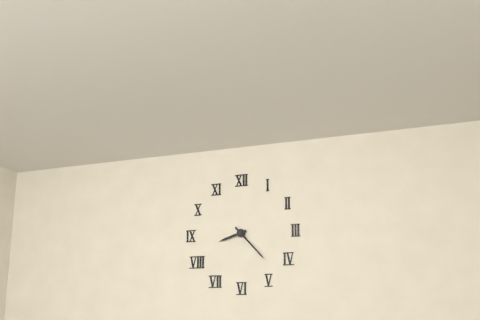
8:23
